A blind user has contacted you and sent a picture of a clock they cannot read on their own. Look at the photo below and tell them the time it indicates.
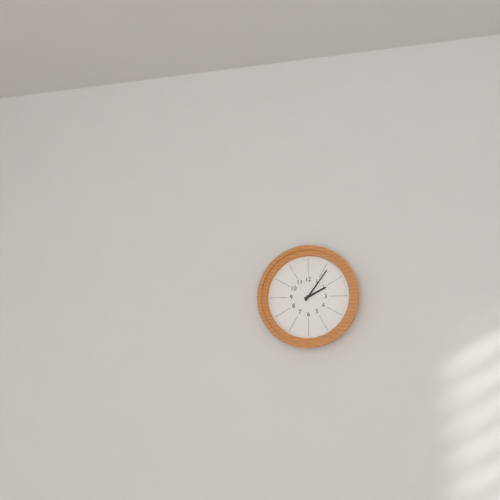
2:06
